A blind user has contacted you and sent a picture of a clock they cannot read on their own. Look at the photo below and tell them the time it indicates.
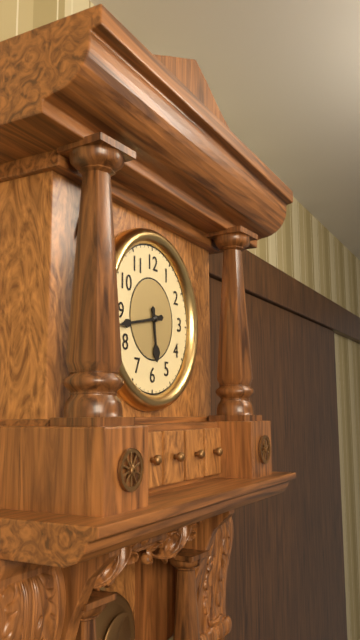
5:43
